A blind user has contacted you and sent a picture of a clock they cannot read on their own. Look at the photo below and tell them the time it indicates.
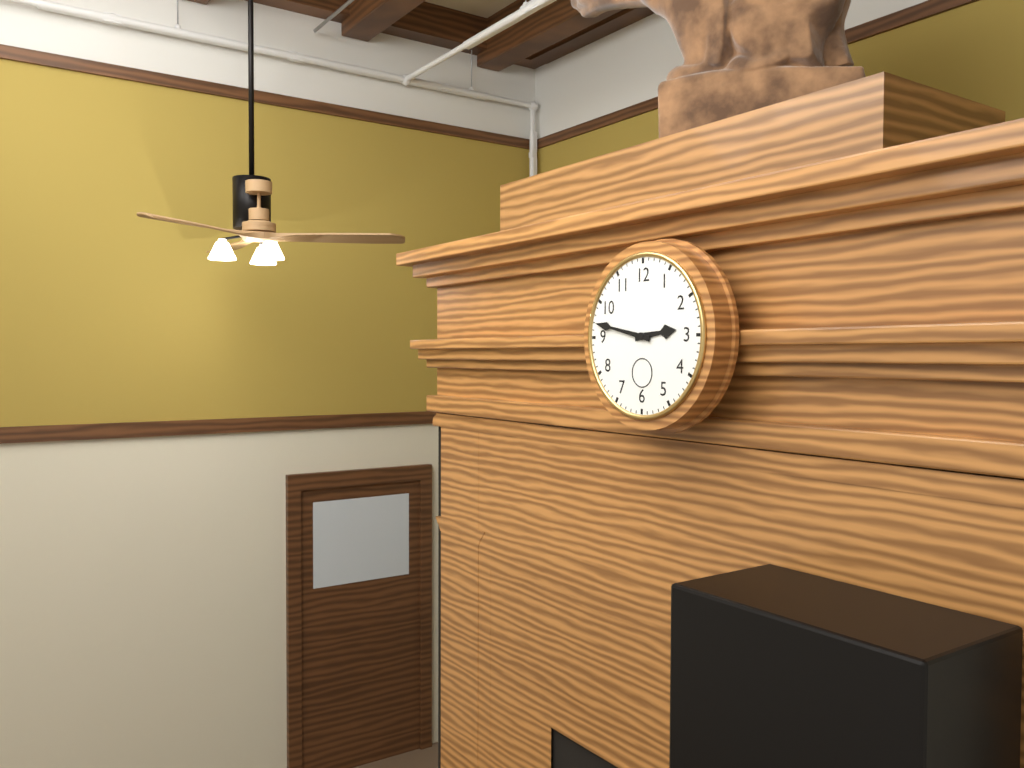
2:47
